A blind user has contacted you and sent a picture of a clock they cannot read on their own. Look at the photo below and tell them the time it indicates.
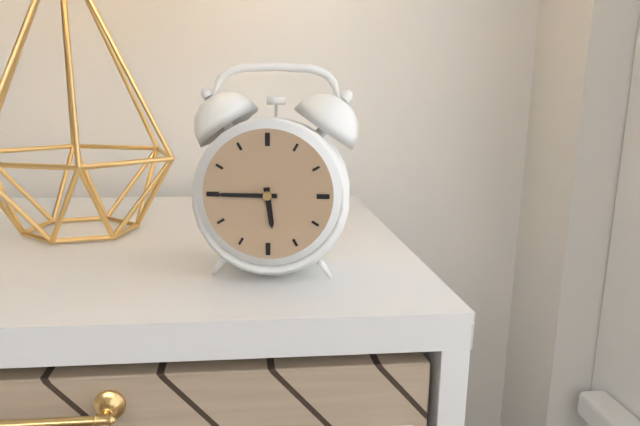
5:45
